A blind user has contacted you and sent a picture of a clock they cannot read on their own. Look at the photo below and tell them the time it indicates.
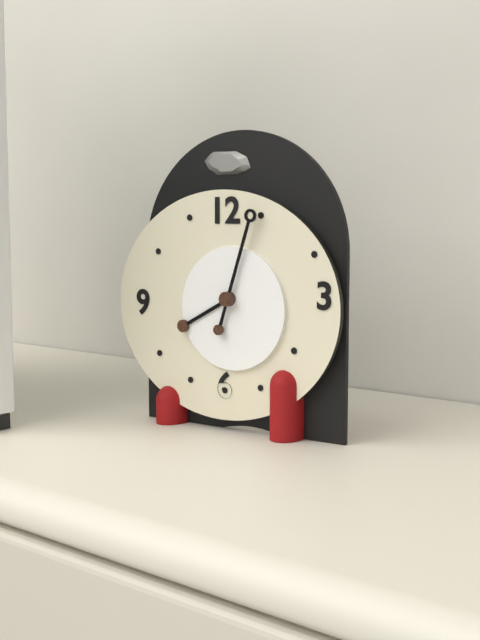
8:03
